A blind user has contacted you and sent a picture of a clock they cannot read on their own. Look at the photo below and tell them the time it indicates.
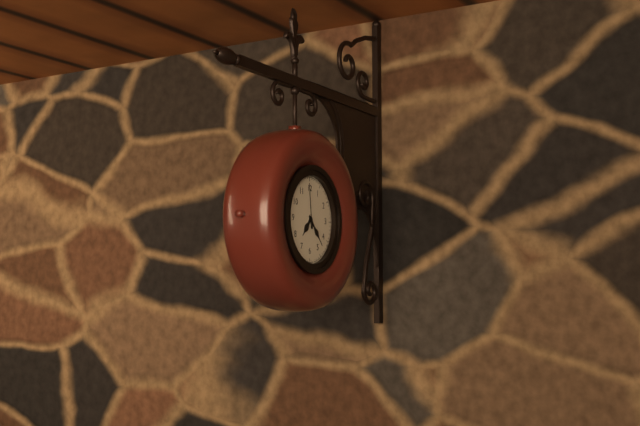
7:23:59
